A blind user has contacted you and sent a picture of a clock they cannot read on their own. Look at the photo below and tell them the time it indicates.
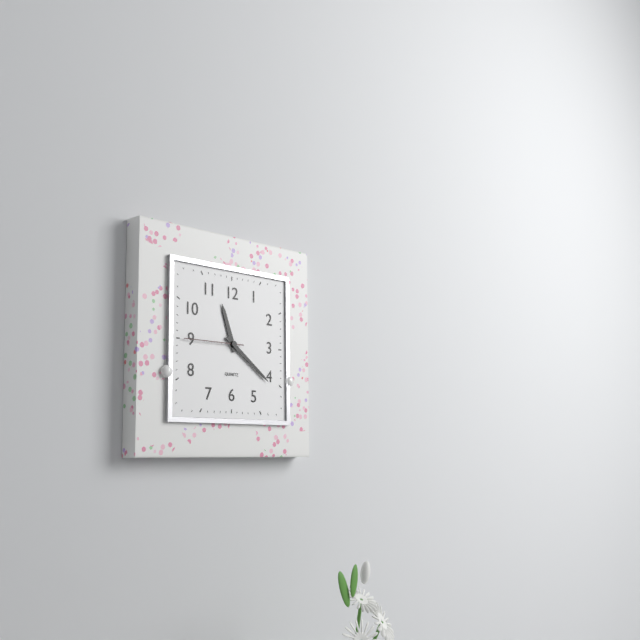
11:21:45
